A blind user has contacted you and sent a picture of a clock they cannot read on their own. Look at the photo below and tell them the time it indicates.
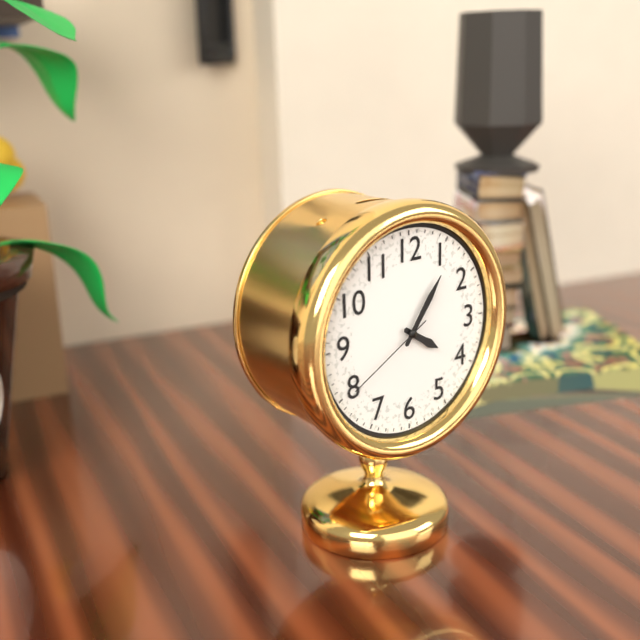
4:06:40
